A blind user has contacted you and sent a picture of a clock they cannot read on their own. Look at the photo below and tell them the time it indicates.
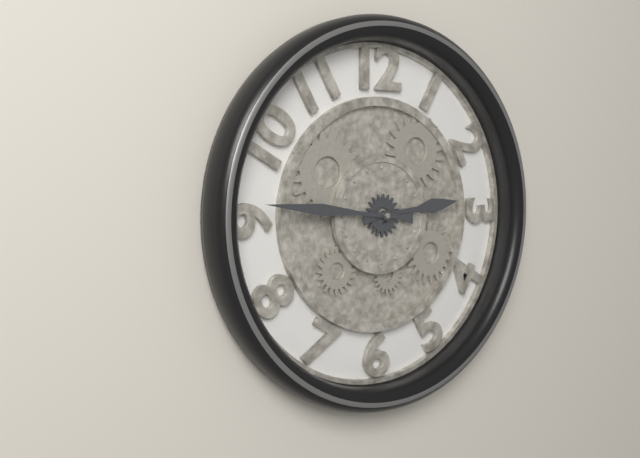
2:46
